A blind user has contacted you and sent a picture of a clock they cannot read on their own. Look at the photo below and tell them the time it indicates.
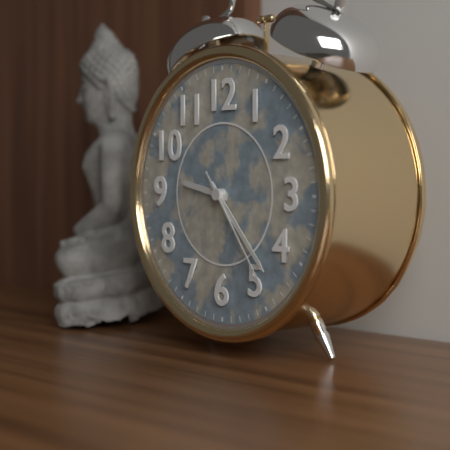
9:23:24
